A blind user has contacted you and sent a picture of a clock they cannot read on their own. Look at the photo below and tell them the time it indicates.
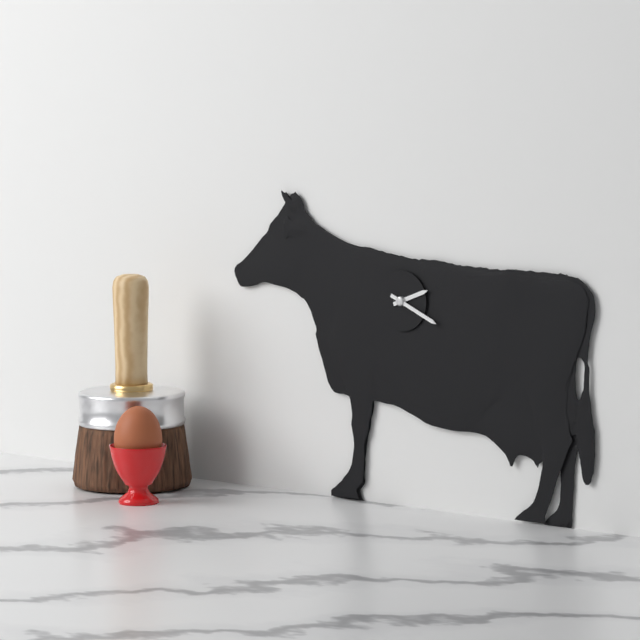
2:19
